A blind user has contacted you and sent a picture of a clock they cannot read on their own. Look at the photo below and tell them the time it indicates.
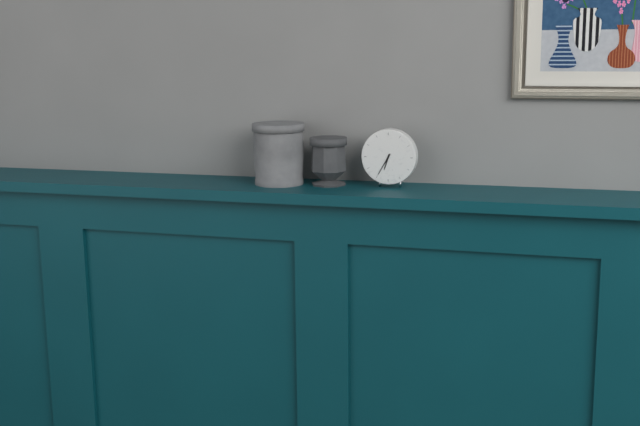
6:35
